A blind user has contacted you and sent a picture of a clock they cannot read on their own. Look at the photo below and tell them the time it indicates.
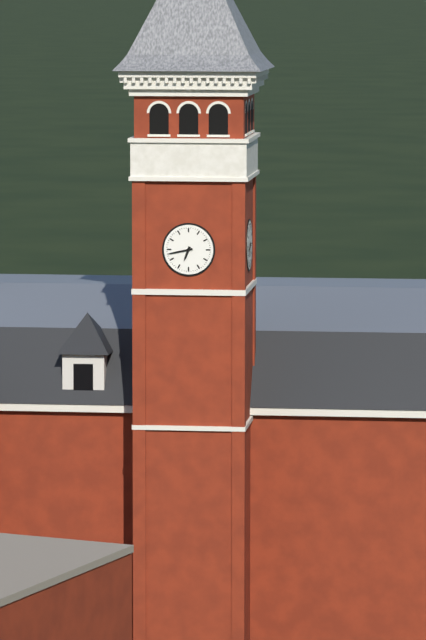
6:43
